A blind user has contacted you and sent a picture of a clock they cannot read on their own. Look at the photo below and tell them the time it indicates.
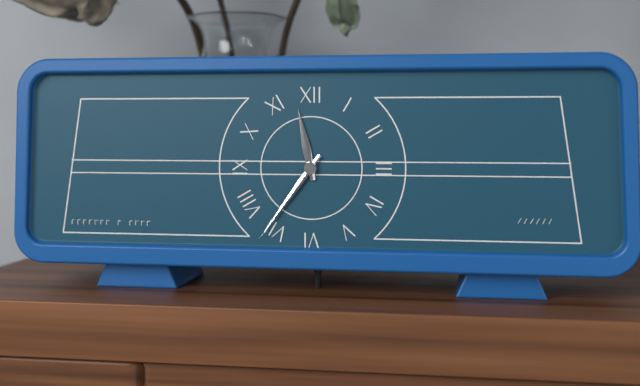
11:36
